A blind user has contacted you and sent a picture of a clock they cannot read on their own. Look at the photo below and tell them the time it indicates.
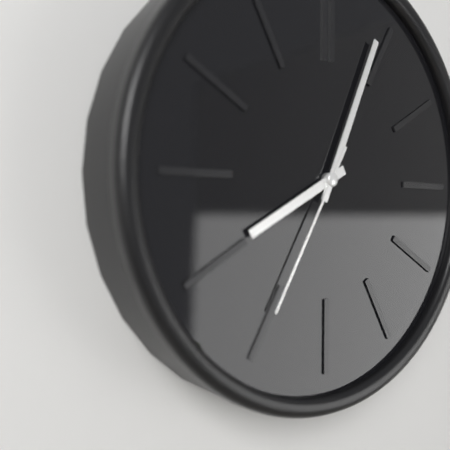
8:04:35
